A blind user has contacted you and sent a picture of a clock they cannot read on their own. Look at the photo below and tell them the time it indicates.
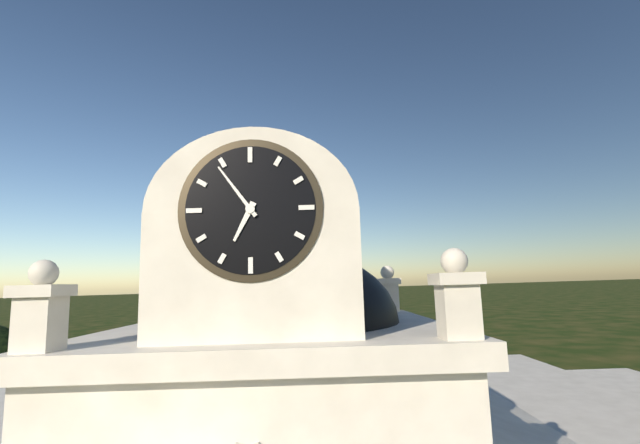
6:54
